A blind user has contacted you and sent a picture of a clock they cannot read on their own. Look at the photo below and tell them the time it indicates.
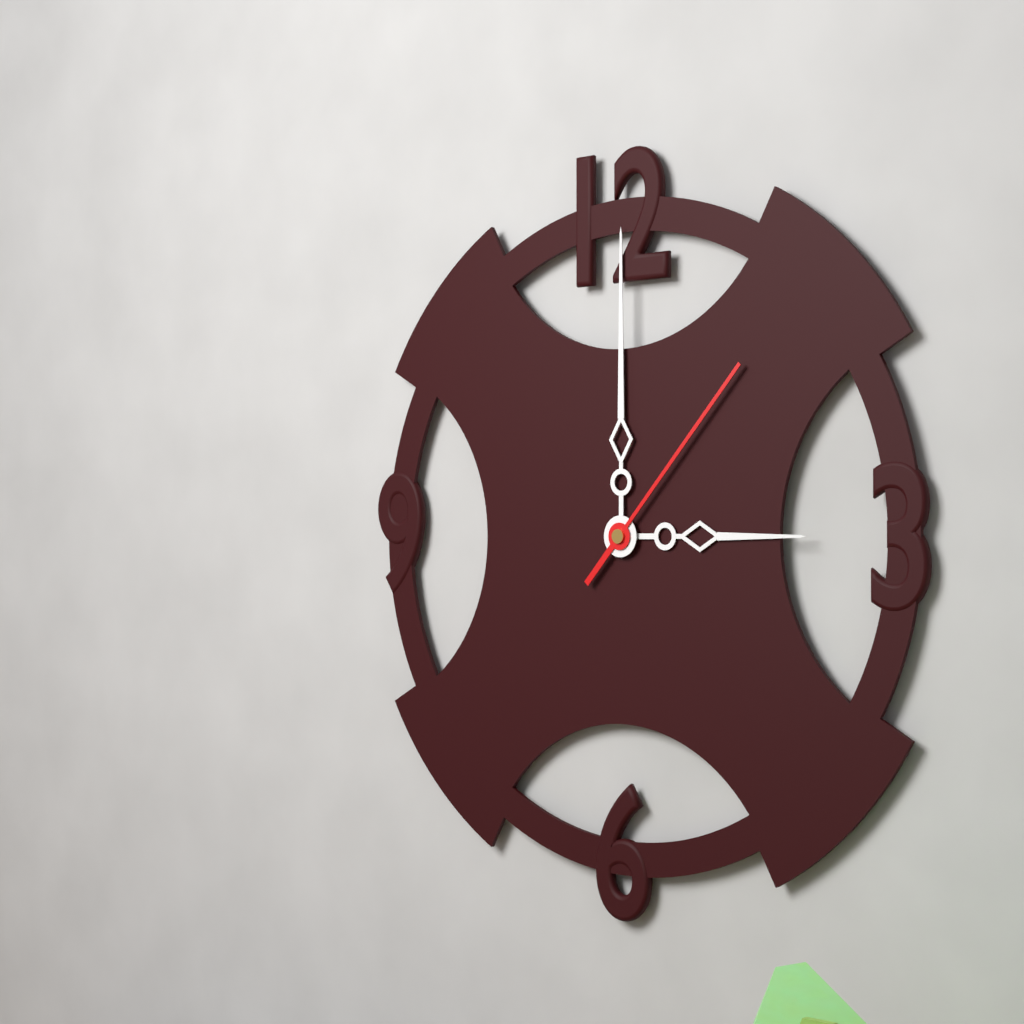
3:00:07
